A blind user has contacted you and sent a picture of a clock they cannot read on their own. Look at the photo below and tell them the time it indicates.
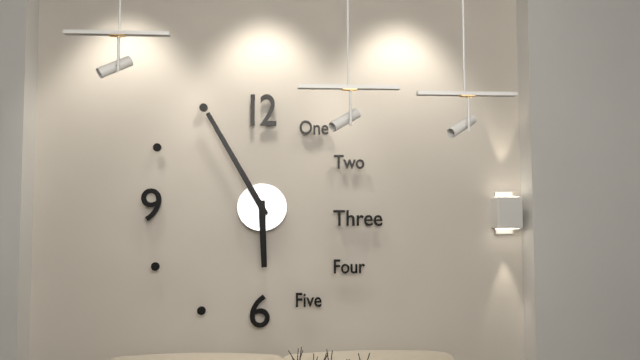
5:55
